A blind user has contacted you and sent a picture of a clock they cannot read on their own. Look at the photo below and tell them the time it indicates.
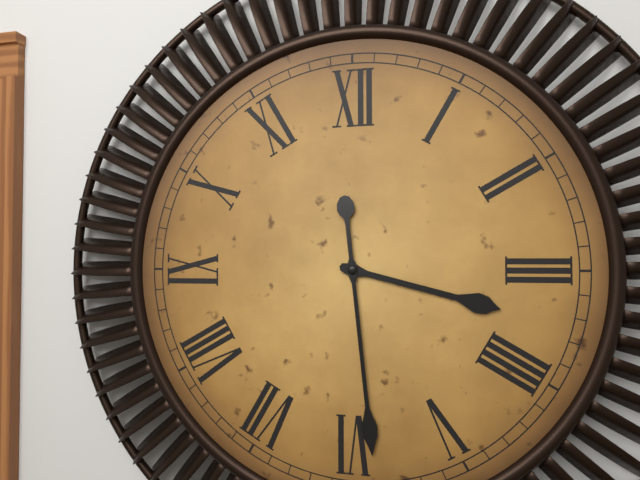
3:29
